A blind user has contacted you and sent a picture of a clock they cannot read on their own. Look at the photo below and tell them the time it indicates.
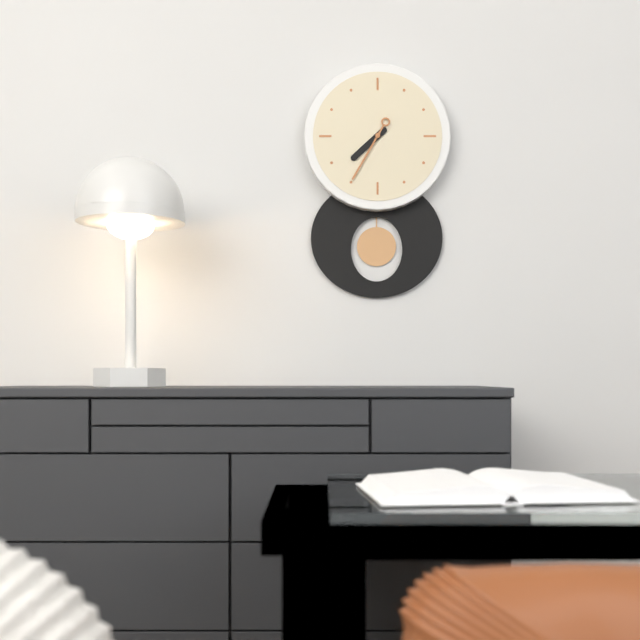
7:35
